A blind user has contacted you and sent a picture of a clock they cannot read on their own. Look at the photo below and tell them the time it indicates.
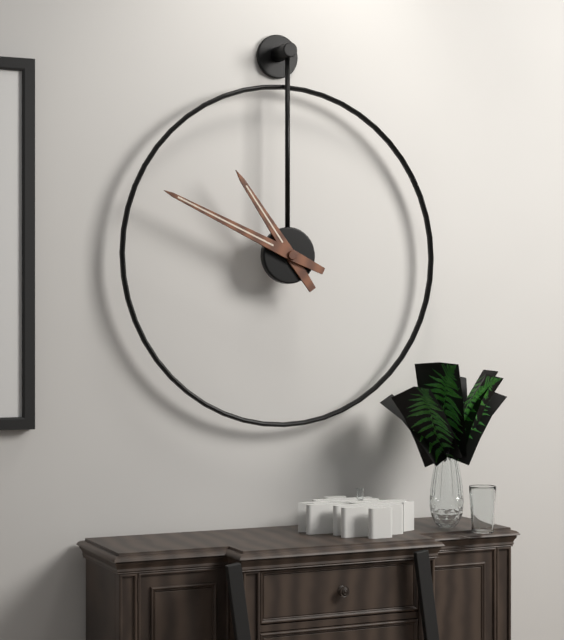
10:49
